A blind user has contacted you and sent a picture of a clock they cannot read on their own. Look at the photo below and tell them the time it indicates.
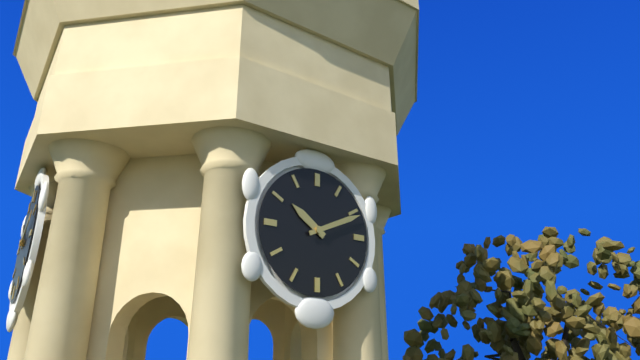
10:11
